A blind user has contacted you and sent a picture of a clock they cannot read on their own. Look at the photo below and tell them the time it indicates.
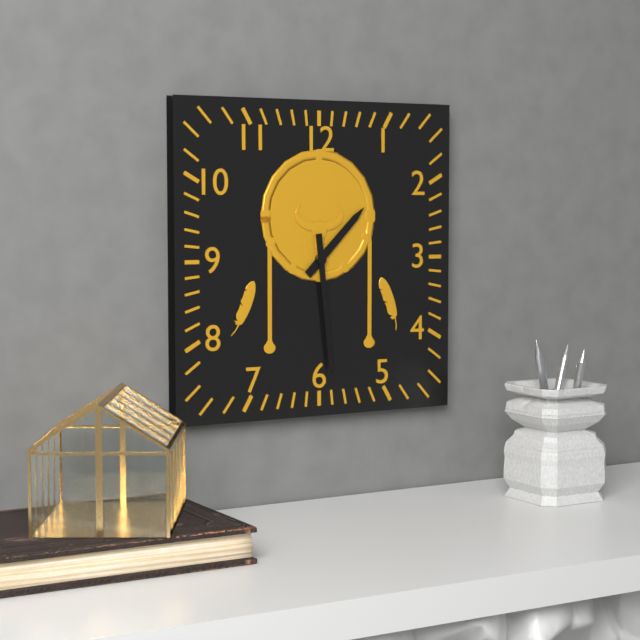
1:29
